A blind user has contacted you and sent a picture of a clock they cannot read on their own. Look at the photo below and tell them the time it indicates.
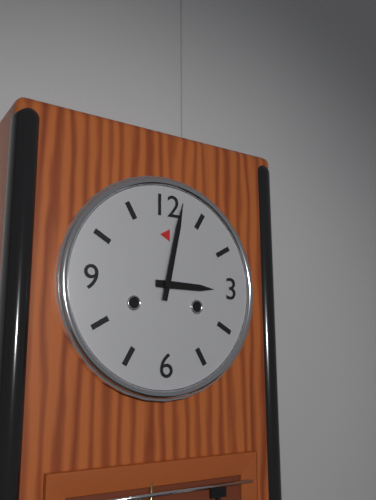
3:02
